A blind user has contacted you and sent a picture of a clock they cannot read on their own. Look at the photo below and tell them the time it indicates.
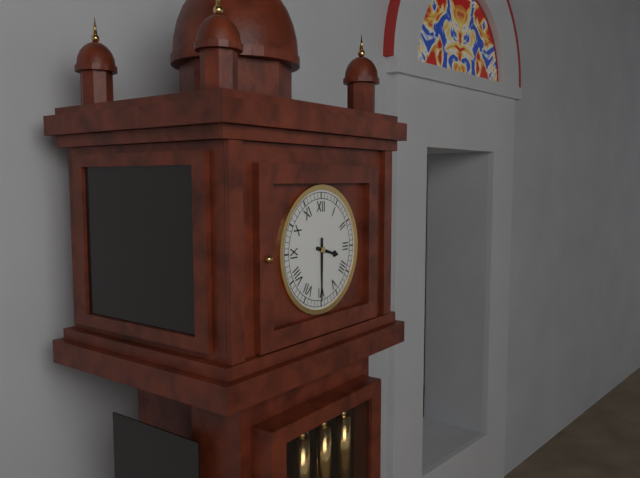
3:30
